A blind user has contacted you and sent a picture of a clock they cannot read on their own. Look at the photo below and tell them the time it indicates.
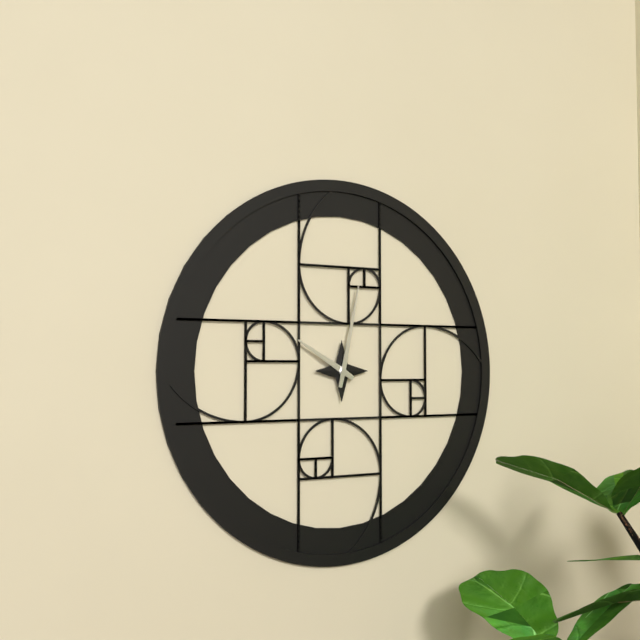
10:02
